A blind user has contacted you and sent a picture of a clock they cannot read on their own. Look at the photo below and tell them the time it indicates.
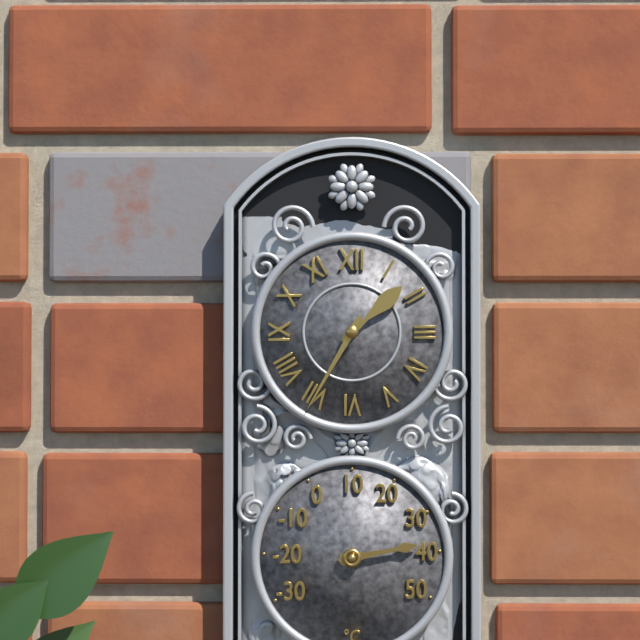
1:35
